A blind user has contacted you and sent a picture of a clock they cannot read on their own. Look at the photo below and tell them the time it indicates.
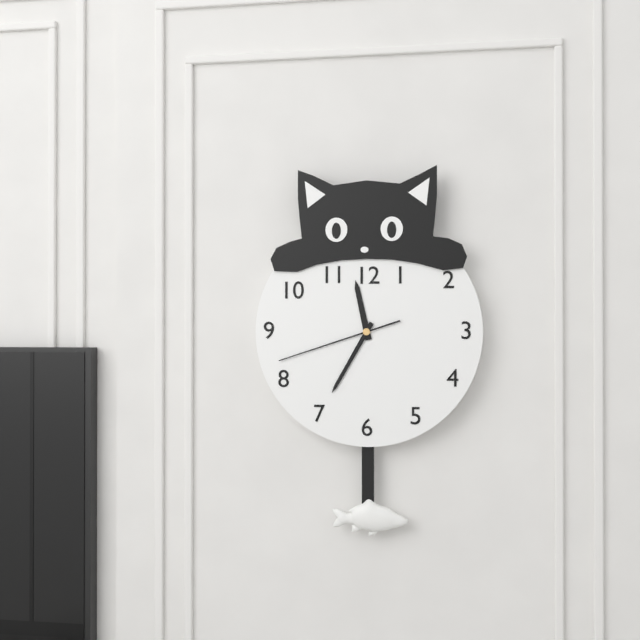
11:35:42
